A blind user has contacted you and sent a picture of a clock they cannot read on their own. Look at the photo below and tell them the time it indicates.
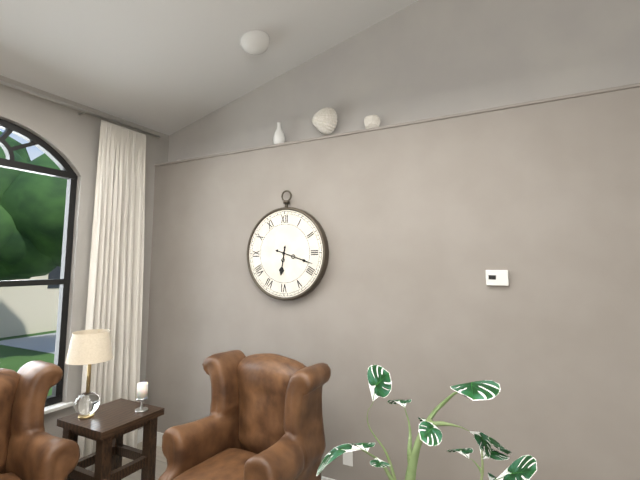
6:18
